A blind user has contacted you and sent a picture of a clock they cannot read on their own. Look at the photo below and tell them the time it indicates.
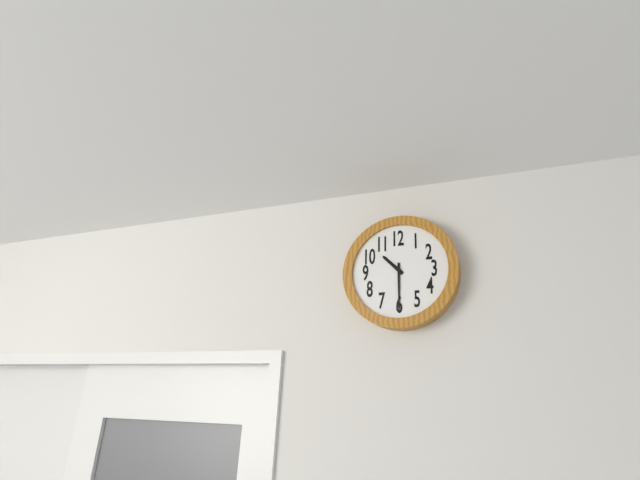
10:30
